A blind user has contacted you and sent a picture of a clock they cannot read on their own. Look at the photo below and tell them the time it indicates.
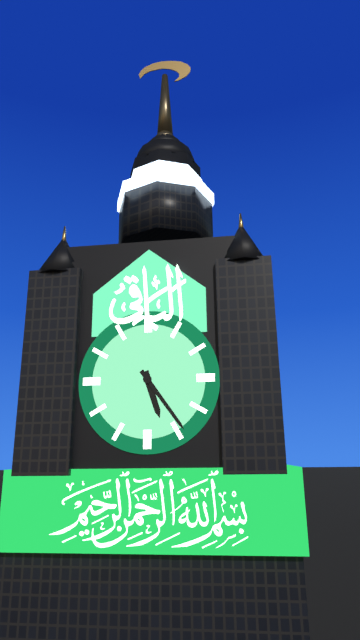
5:24
